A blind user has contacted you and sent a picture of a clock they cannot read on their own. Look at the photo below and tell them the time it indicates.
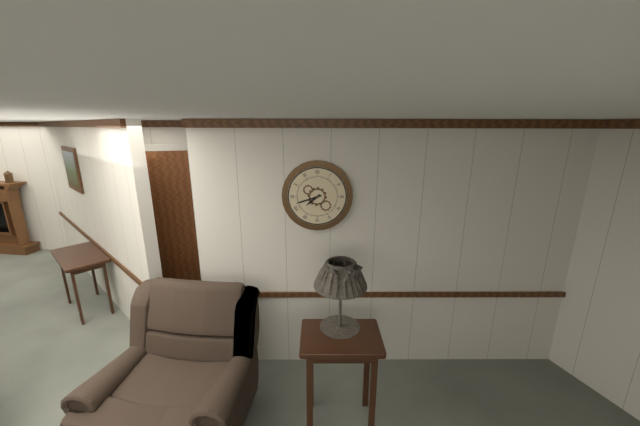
7:42
